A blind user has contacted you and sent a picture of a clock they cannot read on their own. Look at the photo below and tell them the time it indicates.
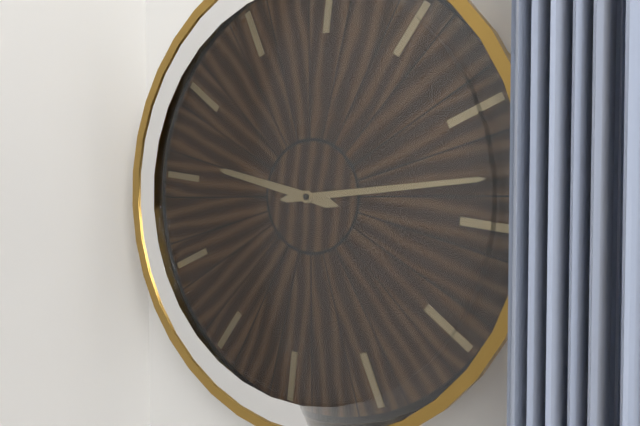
9:13
